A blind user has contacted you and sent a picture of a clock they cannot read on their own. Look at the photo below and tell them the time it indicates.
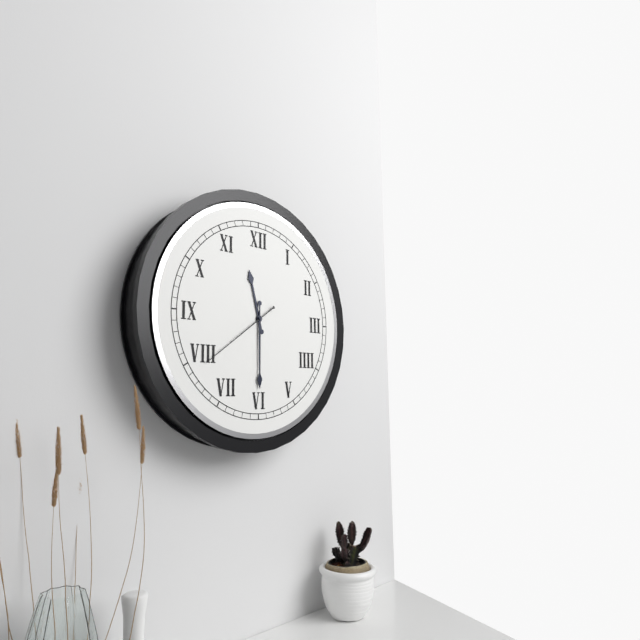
11:30:39
